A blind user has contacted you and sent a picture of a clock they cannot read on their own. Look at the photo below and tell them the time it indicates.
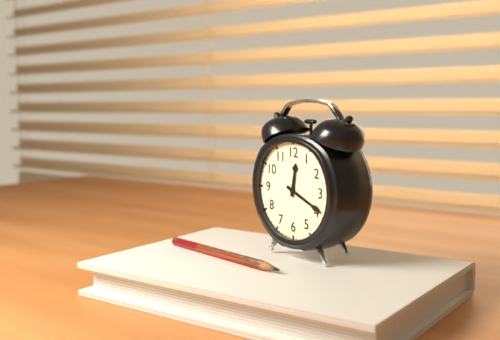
12:19
